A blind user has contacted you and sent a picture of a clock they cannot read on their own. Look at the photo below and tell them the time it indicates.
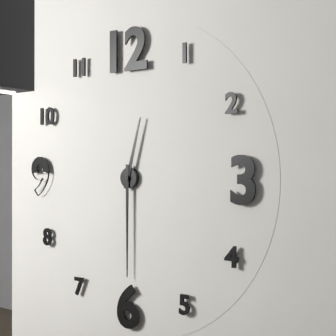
12:30
